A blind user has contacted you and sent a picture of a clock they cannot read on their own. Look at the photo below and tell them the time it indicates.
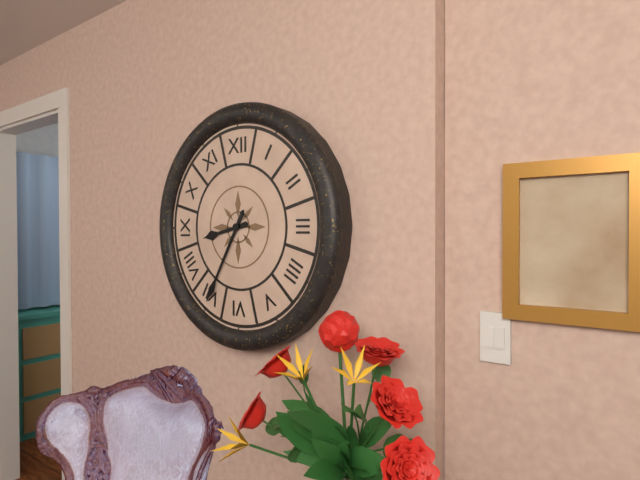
8:35
